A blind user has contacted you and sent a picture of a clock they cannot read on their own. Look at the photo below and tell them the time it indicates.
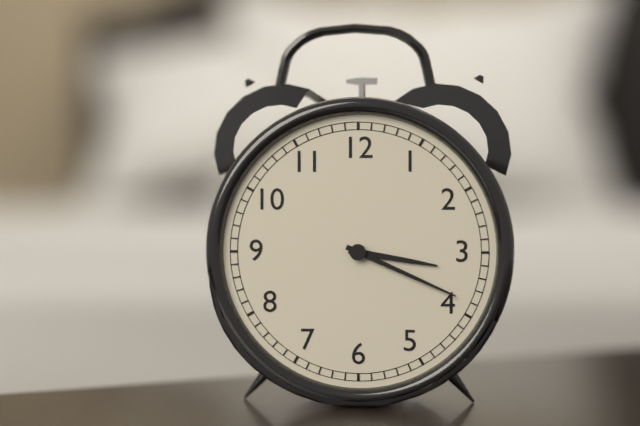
3:19
